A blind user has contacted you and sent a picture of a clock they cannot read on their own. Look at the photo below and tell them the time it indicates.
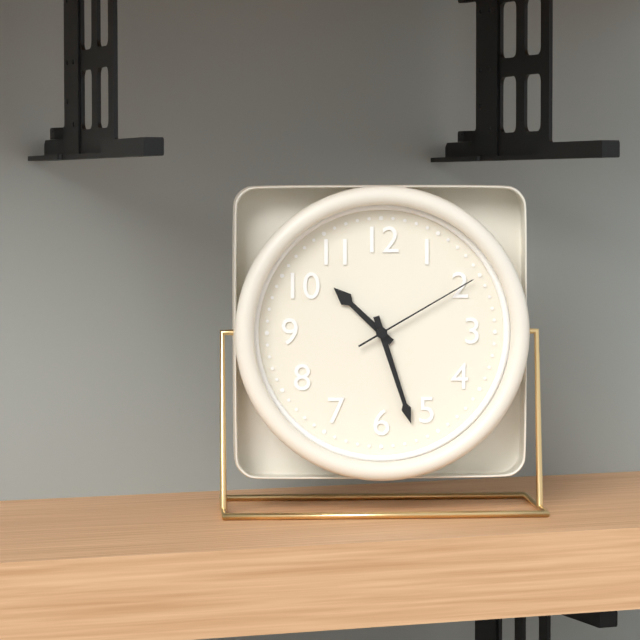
10:27:10
